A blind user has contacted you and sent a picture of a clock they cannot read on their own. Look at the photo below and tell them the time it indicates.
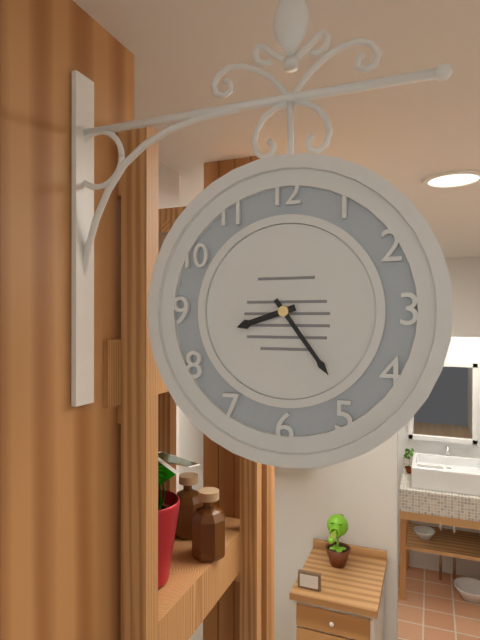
8:24
